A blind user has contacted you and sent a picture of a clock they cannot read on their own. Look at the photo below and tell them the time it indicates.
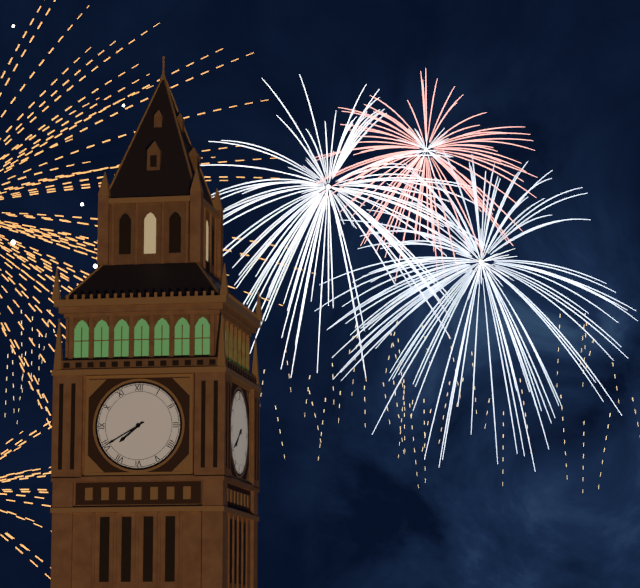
7:40
